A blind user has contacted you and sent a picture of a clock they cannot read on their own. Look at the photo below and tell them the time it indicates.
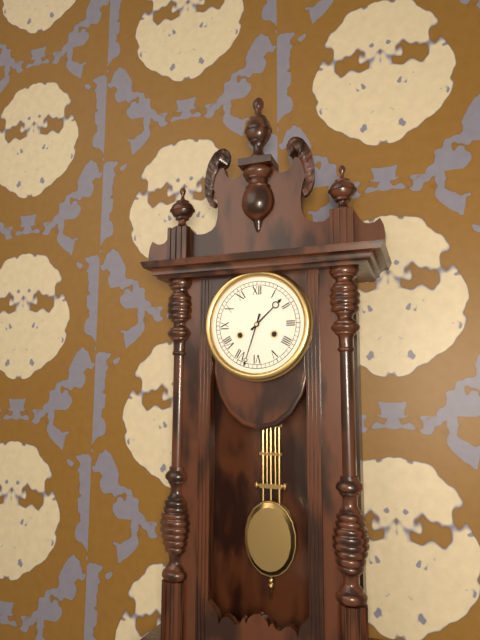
1:33
